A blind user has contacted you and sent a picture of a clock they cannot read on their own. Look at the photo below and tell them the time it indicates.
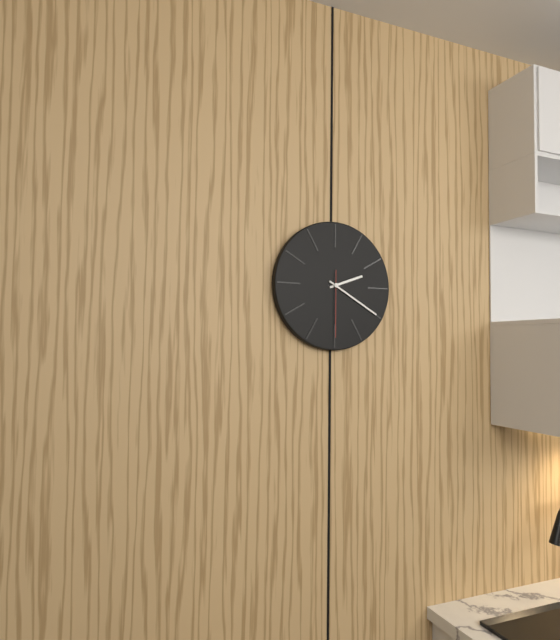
2:20:30
